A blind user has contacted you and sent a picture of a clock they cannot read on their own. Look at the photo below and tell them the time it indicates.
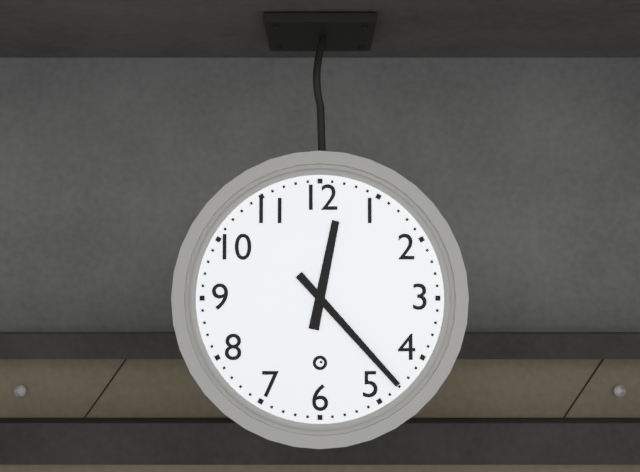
12:23
